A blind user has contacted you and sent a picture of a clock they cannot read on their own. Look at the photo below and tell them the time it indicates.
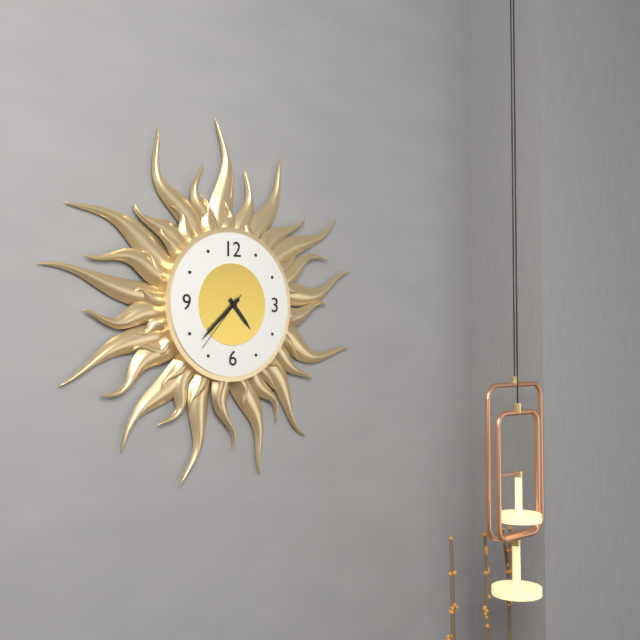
4:38:37
